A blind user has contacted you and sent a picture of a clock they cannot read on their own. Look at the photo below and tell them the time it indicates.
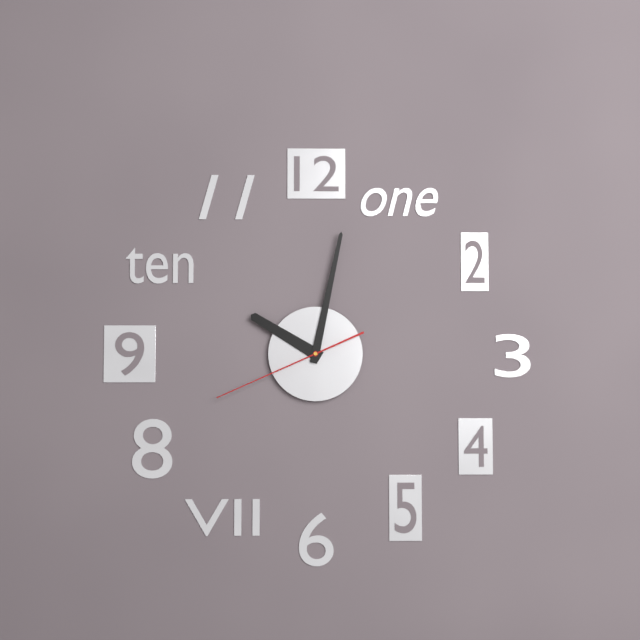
10:02:41
